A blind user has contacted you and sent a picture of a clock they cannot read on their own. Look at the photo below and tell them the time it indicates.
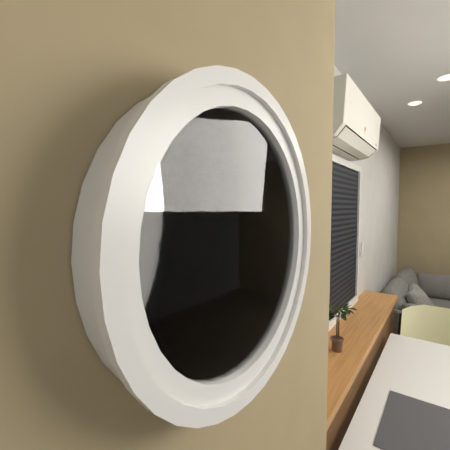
3:44
